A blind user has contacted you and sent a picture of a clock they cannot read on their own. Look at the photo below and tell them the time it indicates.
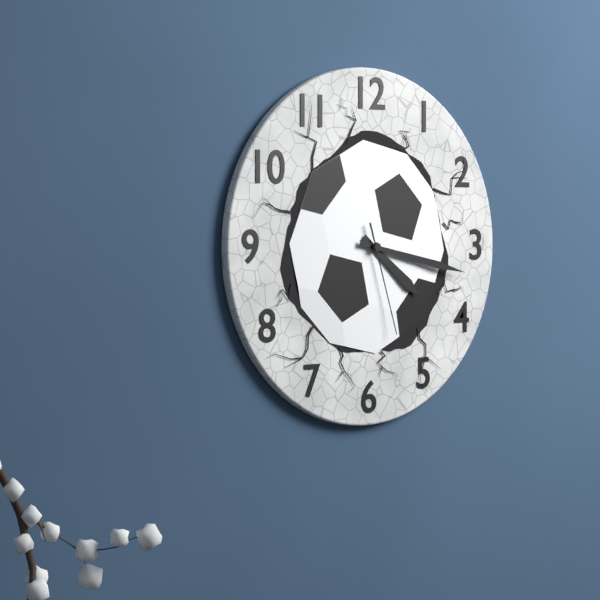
4:17:27
